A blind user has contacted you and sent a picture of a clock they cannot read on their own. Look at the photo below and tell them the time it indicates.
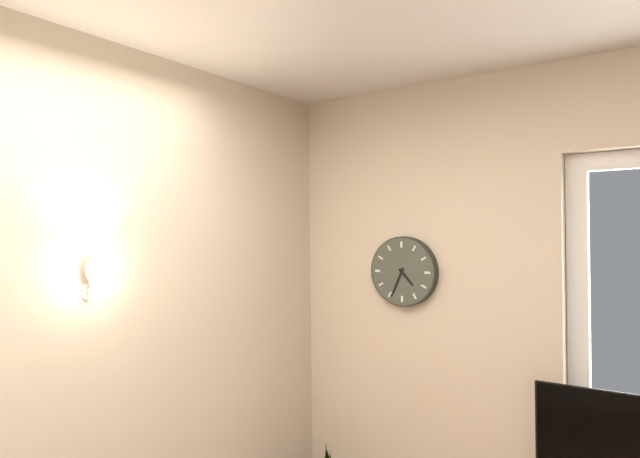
4:34
